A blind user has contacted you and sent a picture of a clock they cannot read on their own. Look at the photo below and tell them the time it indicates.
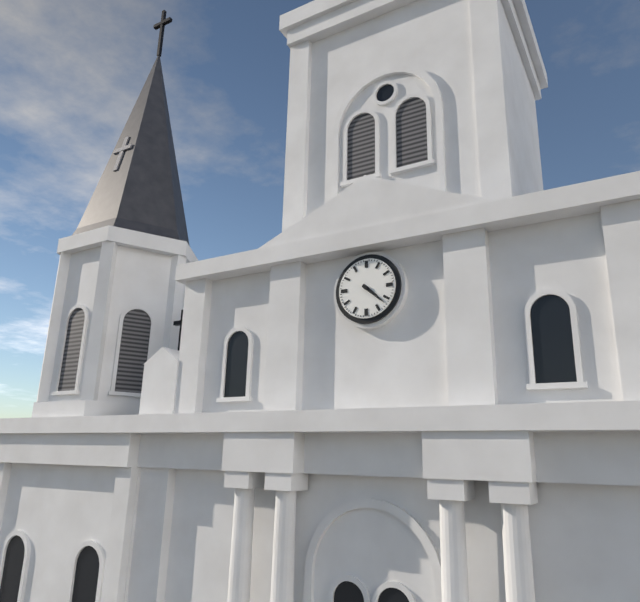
4:22
